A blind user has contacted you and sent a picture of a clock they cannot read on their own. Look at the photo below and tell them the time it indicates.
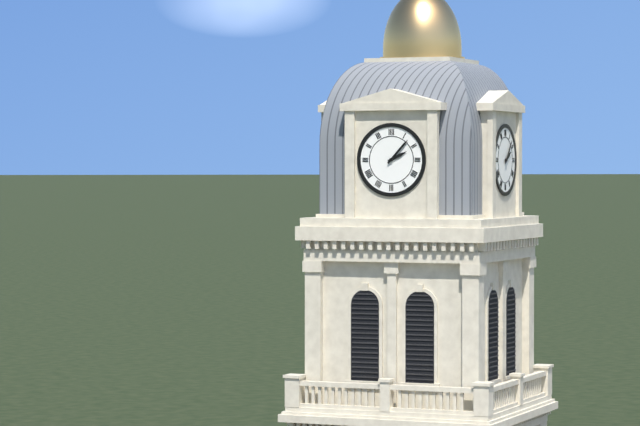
2:07
